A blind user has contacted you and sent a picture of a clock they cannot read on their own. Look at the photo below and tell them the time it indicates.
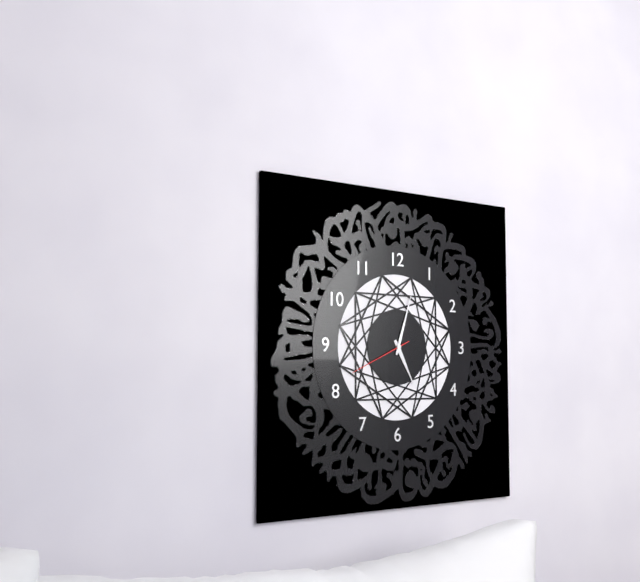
5:03:41
